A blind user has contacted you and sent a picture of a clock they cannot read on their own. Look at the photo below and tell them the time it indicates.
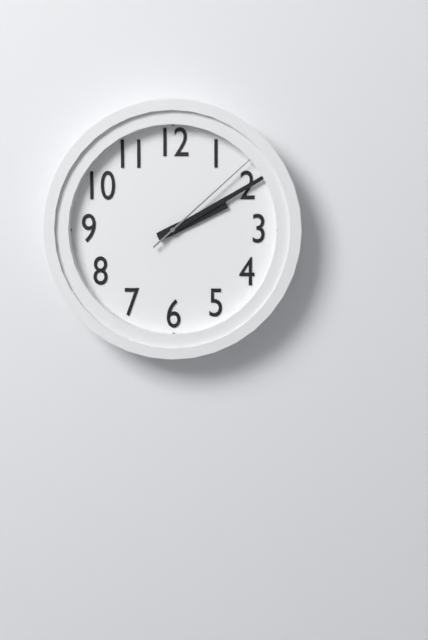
2:10:08
